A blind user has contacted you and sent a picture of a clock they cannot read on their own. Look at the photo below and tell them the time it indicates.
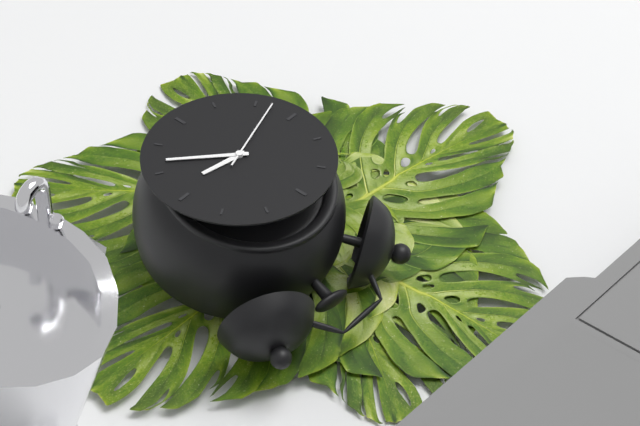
3:22:42
